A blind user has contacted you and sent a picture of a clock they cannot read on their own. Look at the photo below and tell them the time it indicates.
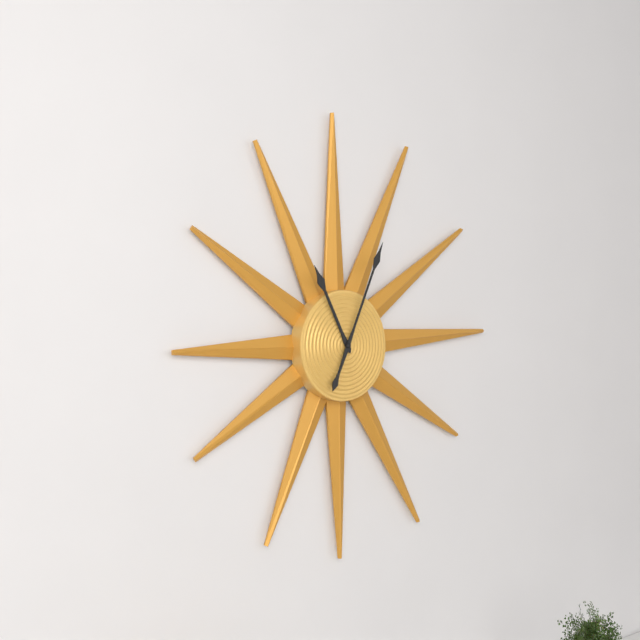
11:04
